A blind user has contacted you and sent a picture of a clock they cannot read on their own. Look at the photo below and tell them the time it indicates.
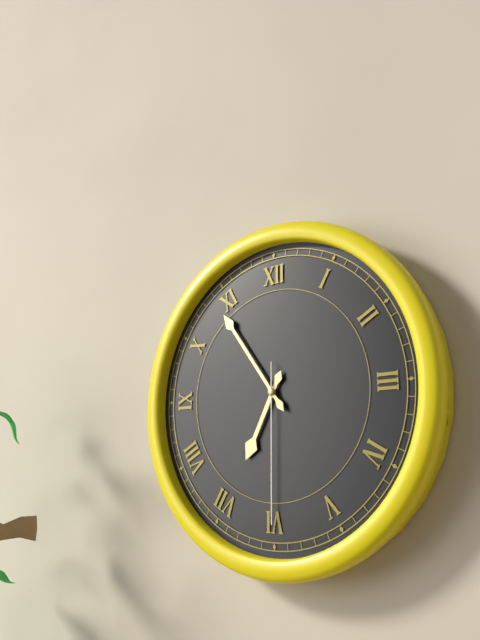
6:54:30
